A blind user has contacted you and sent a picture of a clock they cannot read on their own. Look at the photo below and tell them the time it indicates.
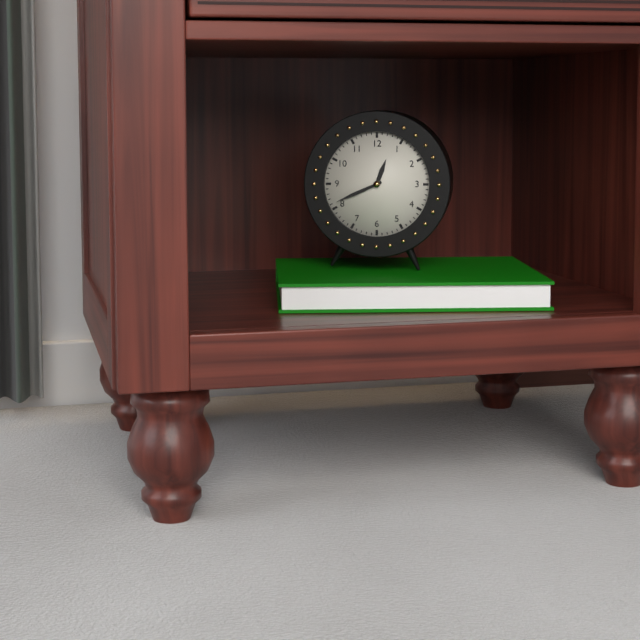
12:41
